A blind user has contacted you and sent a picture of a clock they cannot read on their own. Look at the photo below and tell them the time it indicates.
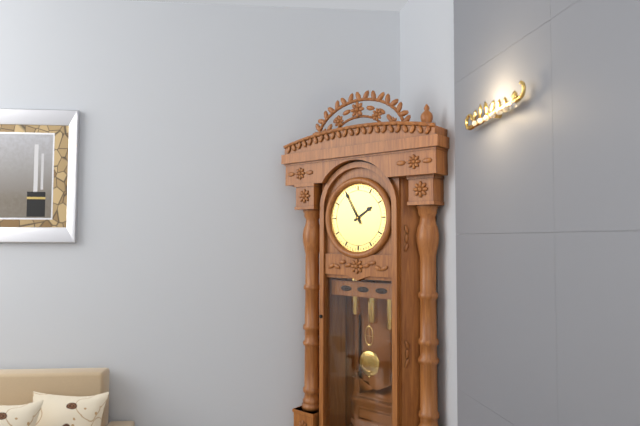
1:55
